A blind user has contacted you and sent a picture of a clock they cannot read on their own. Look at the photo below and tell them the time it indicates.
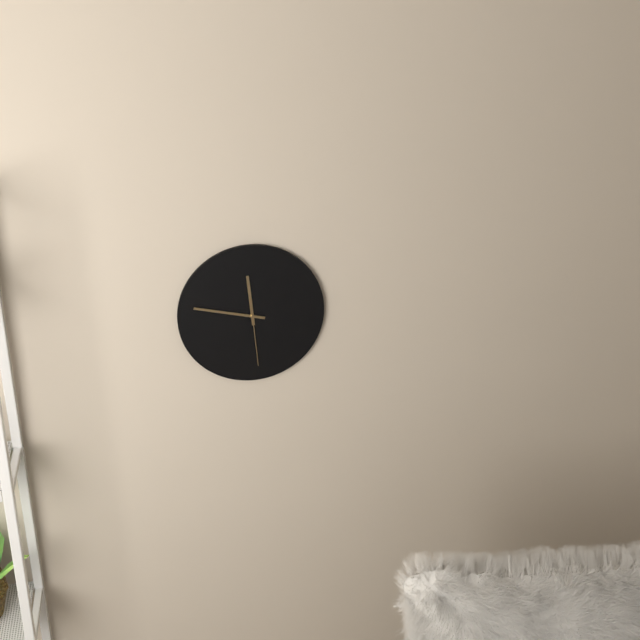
11:47:29
